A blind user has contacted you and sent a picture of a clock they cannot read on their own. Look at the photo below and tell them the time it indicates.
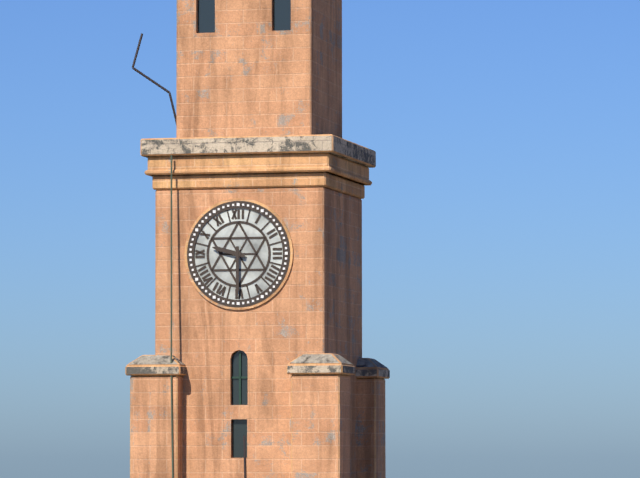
9:30
